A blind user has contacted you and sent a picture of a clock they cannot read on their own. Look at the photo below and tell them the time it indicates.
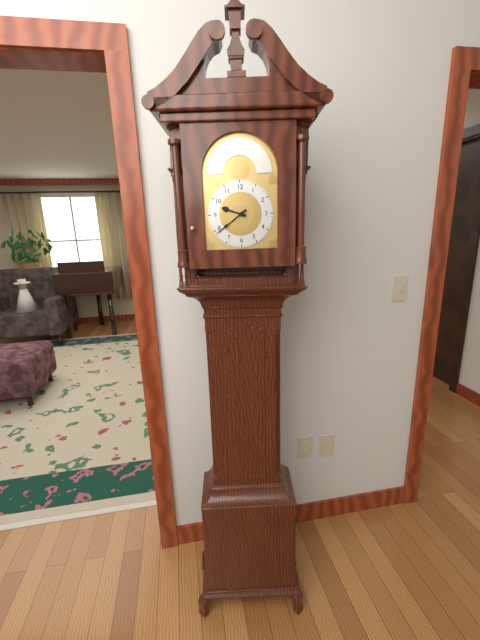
9:39
